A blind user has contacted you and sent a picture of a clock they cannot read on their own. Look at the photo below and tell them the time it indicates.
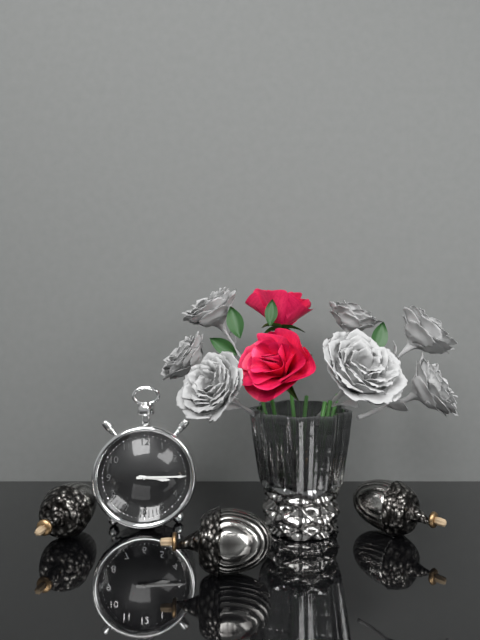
3:15
